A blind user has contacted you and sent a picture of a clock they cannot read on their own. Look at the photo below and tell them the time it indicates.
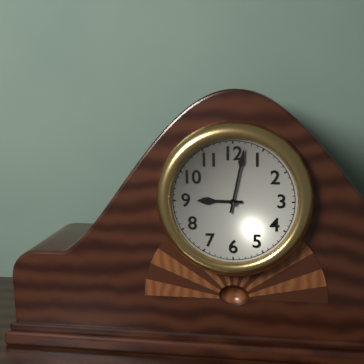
9:02
